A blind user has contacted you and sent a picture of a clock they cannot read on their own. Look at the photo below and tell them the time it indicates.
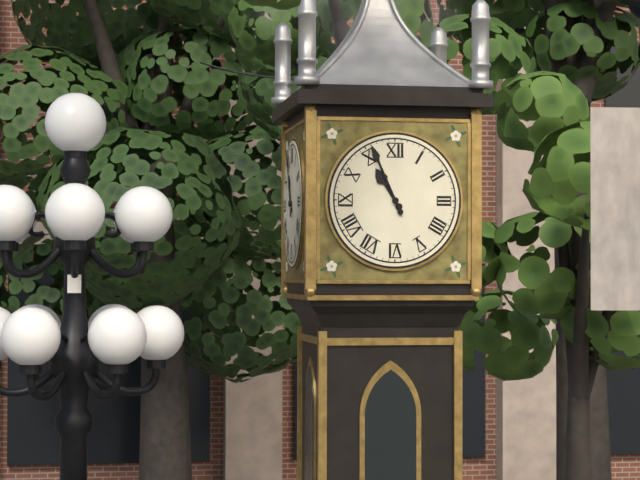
10:56
